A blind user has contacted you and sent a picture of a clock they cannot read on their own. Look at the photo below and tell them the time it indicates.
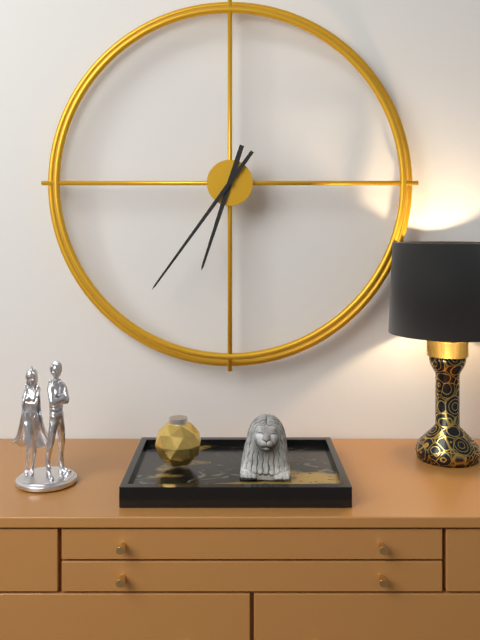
6:36
